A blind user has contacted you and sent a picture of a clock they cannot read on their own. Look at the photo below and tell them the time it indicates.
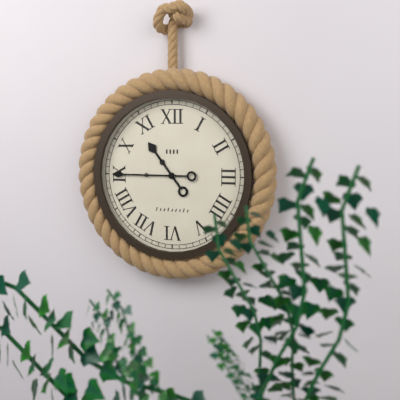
10:45
